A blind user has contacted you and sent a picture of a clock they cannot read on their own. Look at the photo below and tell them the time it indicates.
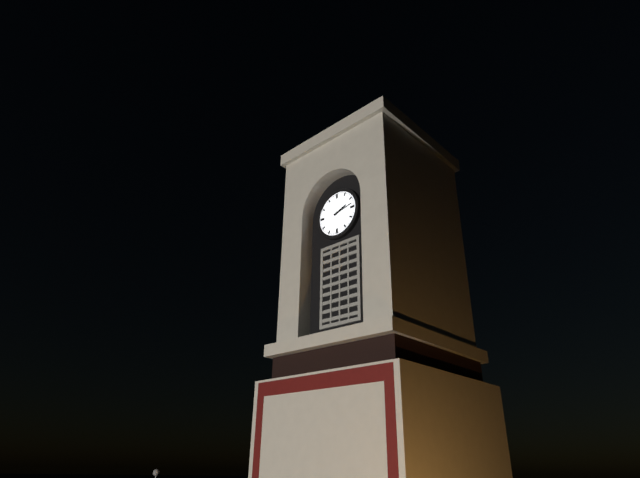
2:13
